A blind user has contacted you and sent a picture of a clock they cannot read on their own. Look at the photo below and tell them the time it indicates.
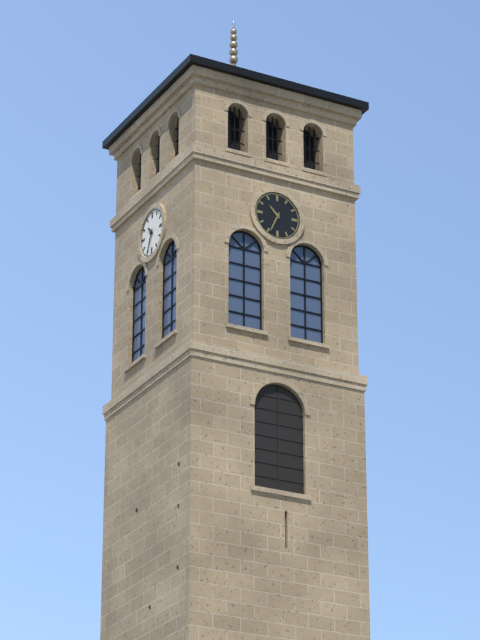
10:34
